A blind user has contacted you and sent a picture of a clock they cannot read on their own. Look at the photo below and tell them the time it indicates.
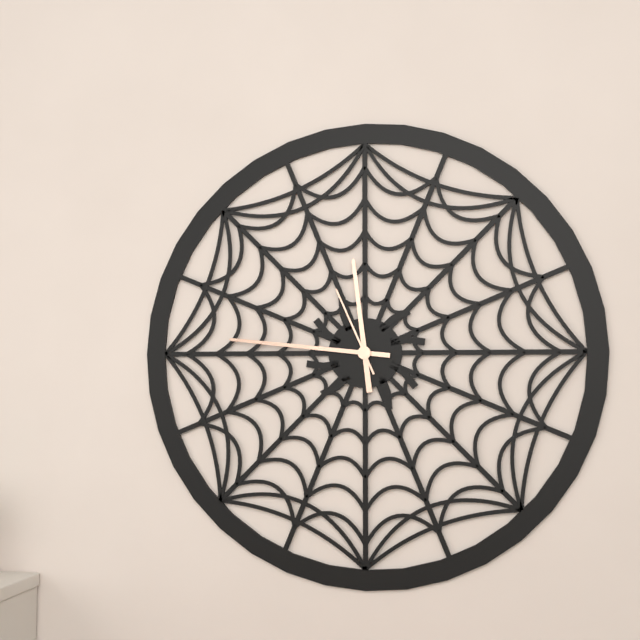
11:46:56
